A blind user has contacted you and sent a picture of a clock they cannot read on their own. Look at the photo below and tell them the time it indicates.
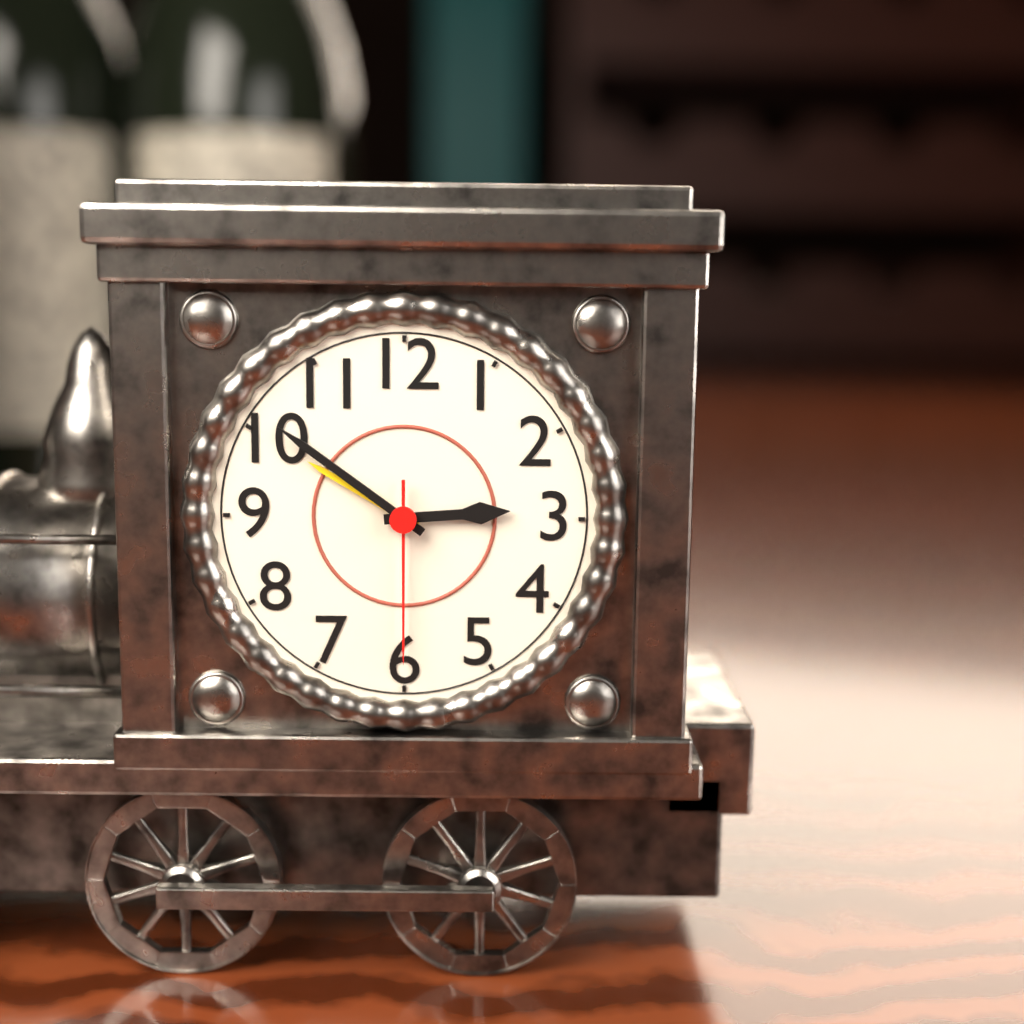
2:51:30
